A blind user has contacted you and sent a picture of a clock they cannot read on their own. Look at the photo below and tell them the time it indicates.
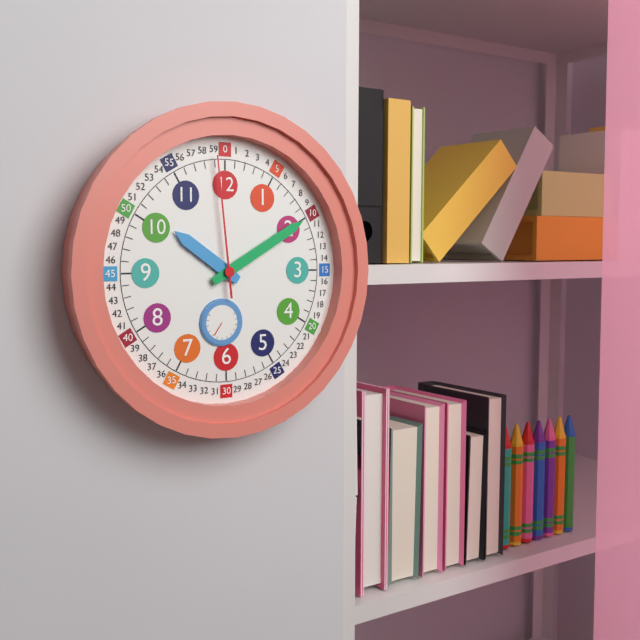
10:10:59
